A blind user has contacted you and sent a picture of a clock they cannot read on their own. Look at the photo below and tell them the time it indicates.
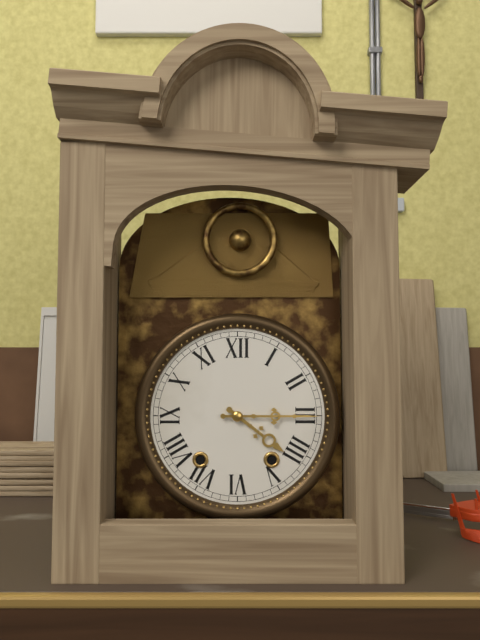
4:15
